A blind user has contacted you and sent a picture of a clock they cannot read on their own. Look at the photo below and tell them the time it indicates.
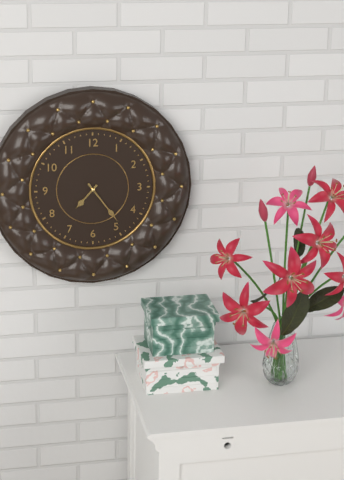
7:24
